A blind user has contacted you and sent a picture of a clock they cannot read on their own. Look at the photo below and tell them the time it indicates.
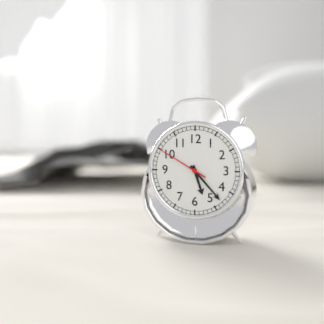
5:23:50
